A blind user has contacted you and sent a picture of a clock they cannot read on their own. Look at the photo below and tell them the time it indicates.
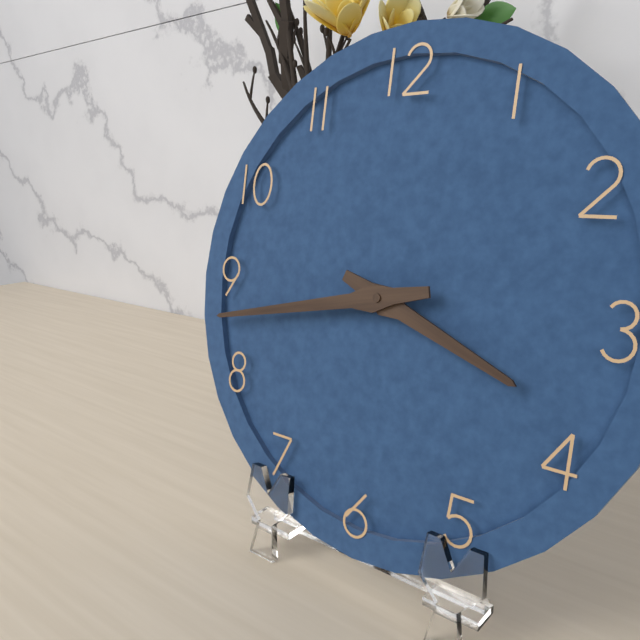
3:43
